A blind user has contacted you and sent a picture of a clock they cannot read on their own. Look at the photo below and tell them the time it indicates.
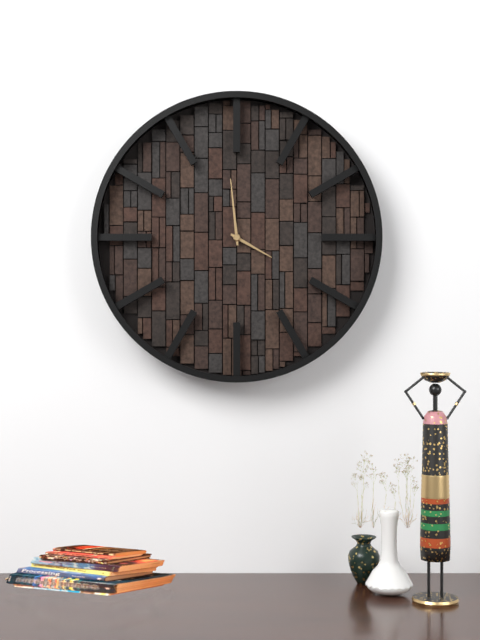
3:59
